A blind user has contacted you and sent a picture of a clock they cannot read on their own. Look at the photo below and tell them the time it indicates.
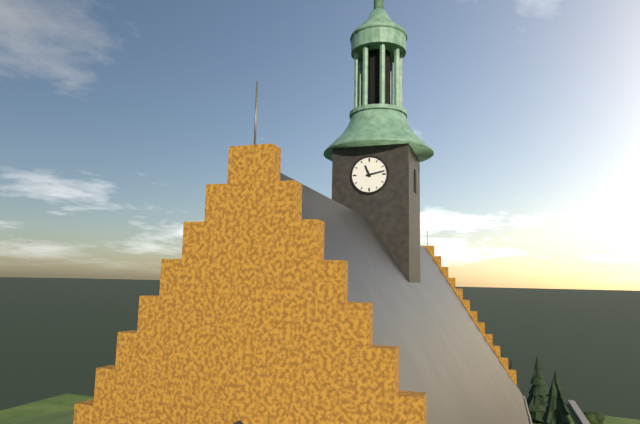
11:13
